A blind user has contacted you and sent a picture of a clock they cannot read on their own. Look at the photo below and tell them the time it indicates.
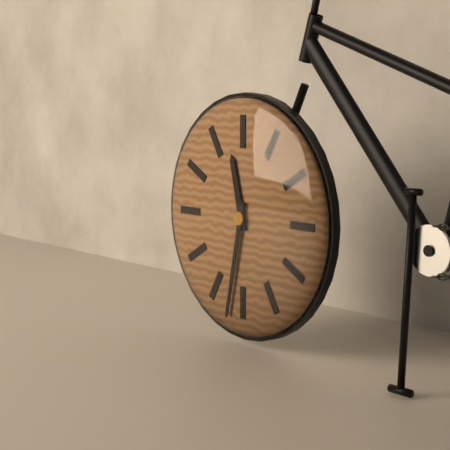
11:32
